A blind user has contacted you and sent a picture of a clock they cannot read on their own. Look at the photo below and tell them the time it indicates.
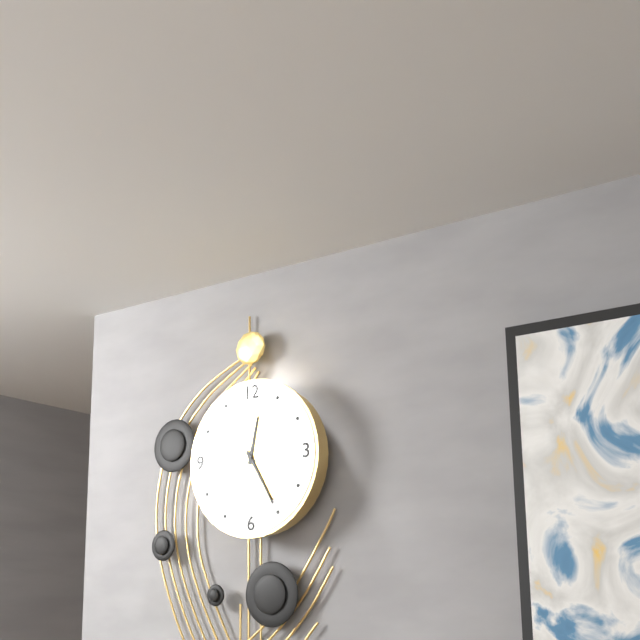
12:25:51
